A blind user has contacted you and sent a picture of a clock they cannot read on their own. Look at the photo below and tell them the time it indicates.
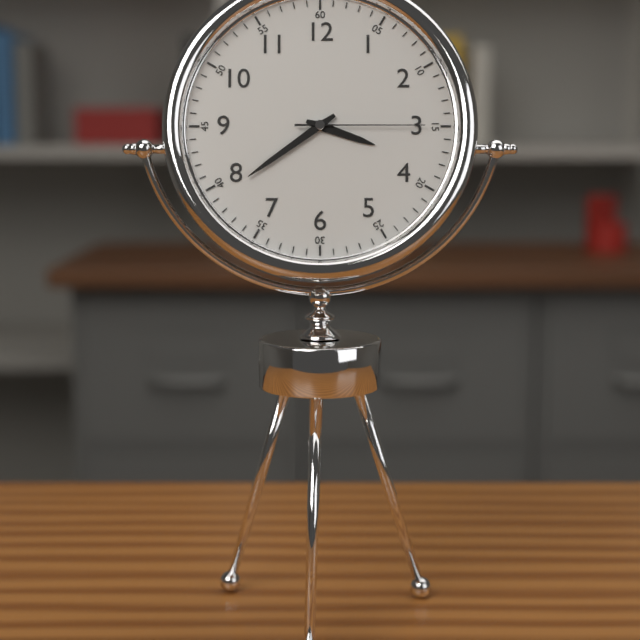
3:39:15
